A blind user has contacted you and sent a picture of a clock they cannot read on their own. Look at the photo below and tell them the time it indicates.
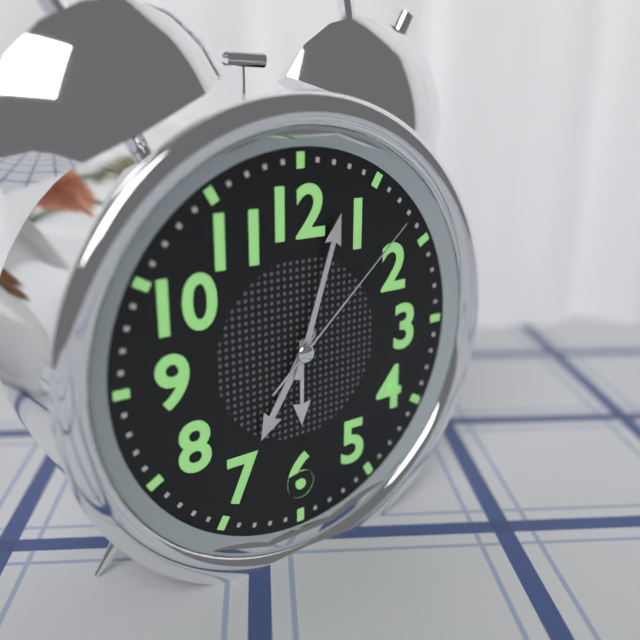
7:03:08
